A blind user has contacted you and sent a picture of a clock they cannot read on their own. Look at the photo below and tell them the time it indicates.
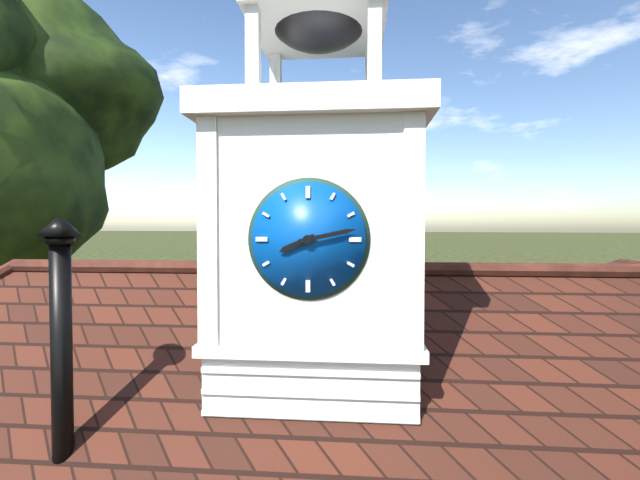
8:13
